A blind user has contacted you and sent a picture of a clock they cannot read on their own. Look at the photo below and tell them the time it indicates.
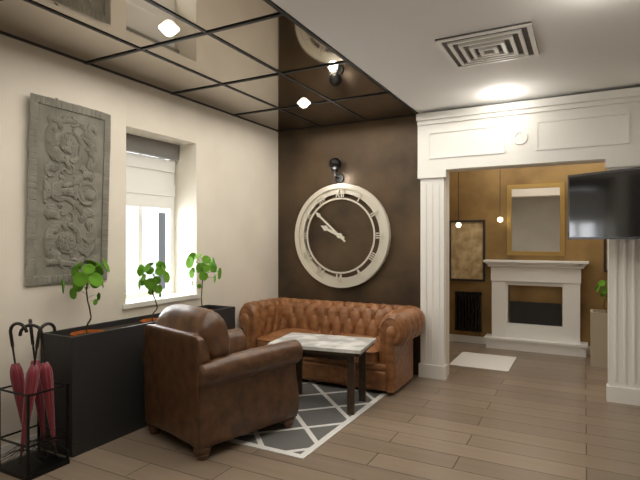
9:52
